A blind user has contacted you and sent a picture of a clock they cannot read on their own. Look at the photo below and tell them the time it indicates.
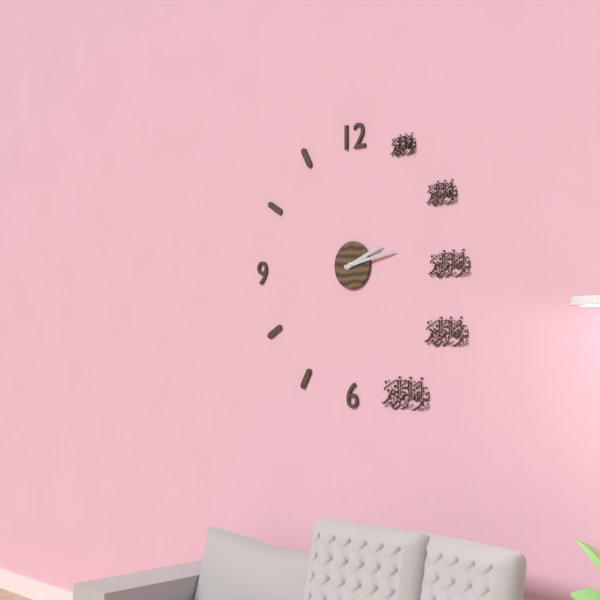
2:13
